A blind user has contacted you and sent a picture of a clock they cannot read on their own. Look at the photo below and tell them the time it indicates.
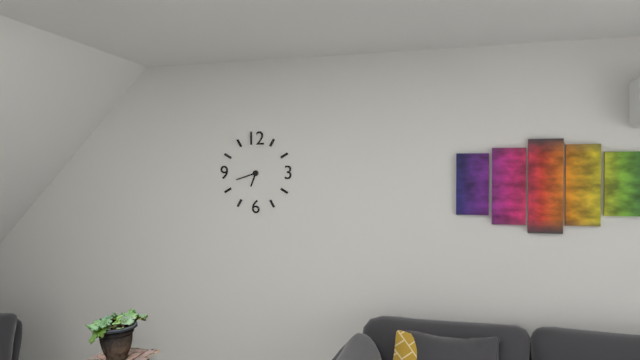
6:42
